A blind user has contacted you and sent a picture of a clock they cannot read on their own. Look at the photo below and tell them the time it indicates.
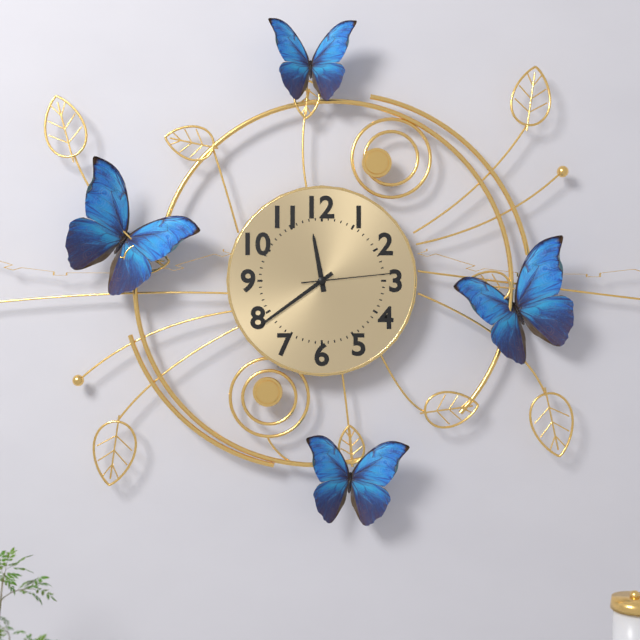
11:39:14
